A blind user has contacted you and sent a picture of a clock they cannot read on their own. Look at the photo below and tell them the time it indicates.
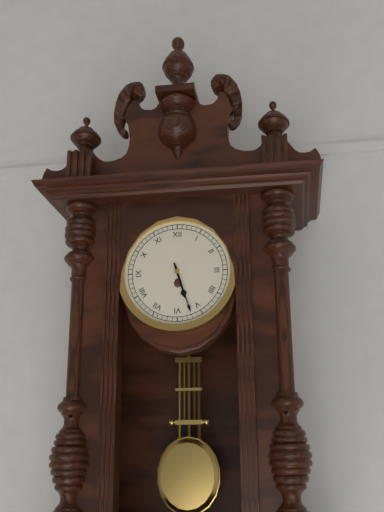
5:27
